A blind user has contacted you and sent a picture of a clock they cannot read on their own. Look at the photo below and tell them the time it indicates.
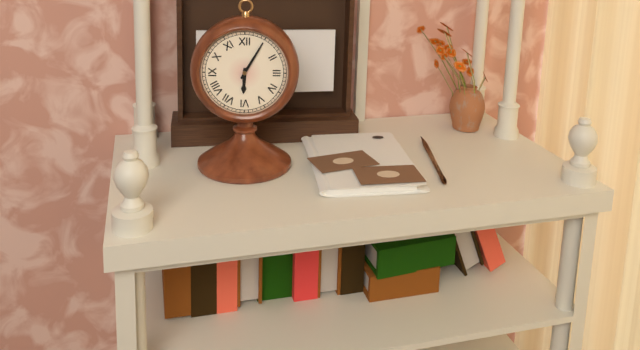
6:05
